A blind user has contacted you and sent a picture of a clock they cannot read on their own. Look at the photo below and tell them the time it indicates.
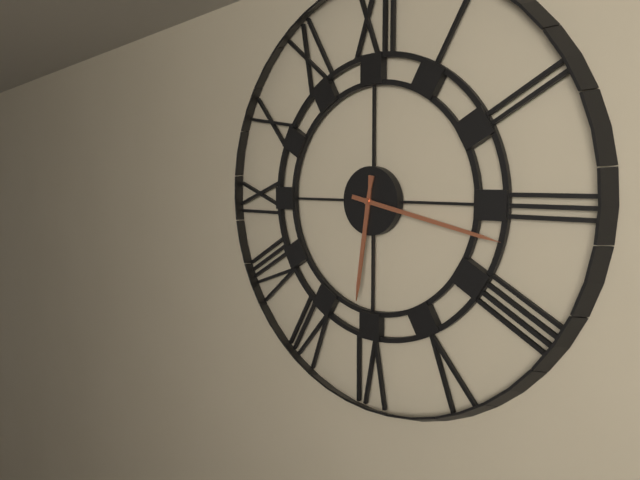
6:17
